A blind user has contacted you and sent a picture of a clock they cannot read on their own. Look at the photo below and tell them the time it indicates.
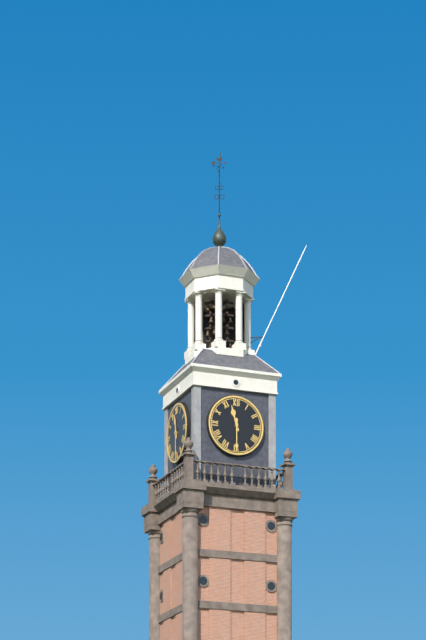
11:30
